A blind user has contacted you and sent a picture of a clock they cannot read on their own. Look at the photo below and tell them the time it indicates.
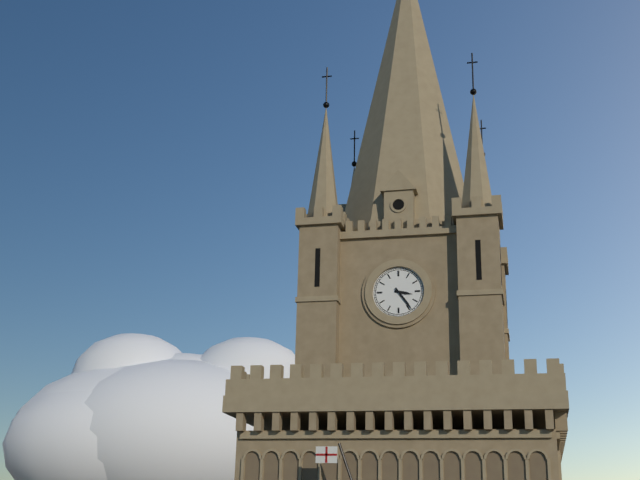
3:24
